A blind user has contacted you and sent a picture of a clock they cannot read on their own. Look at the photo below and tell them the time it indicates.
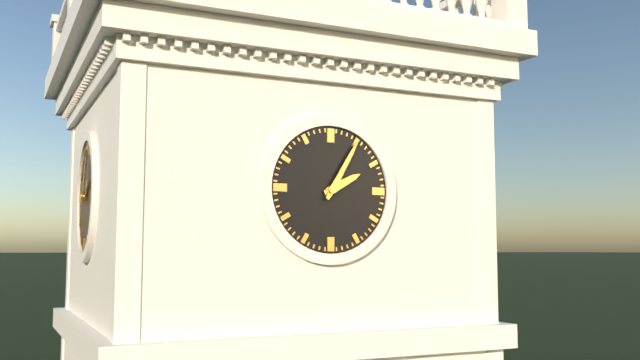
2:05
